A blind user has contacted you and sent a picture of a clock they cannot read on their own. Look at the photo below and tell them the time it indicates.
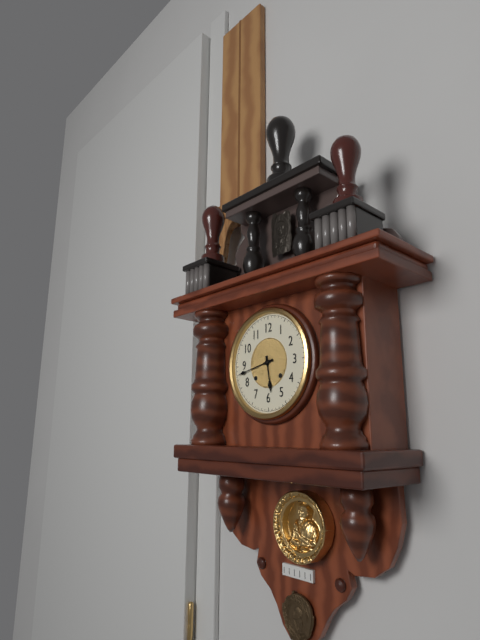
5:43
